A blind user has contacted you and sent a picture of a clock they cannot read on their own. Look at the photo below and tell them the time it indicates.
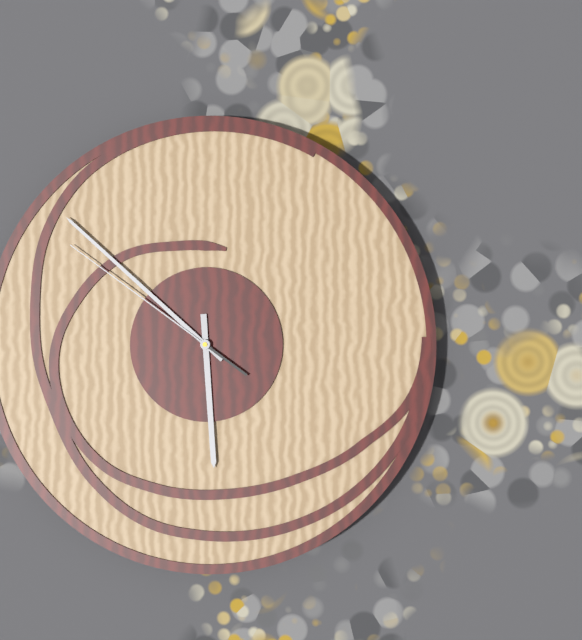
5:52:51
